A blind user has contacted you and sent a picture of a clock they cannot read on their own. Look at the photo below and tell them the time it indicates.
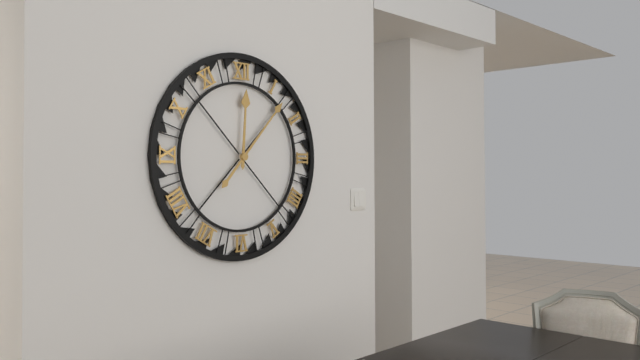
12:07
